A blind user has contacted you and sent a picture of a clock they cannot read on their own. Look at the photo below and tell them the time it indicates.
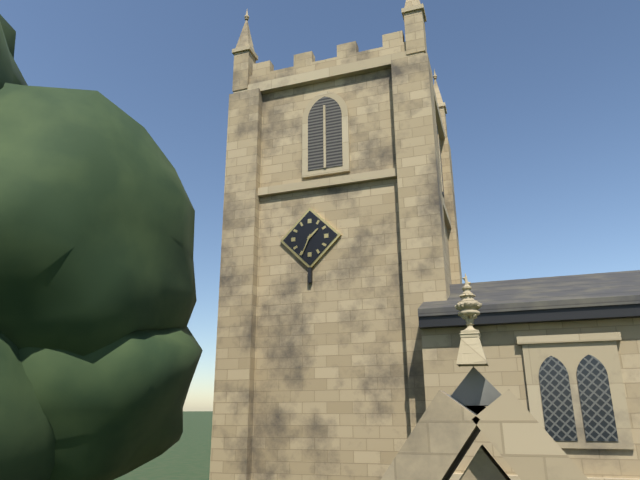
1:34
